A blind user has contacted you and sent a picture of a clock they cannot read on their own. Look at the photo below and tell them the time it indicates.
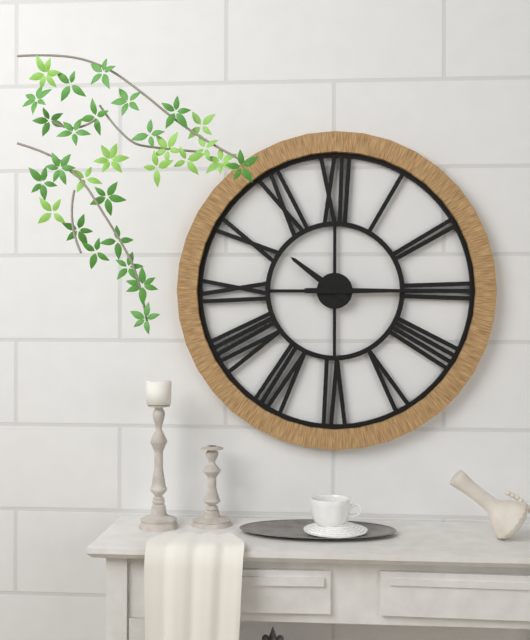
10:15
